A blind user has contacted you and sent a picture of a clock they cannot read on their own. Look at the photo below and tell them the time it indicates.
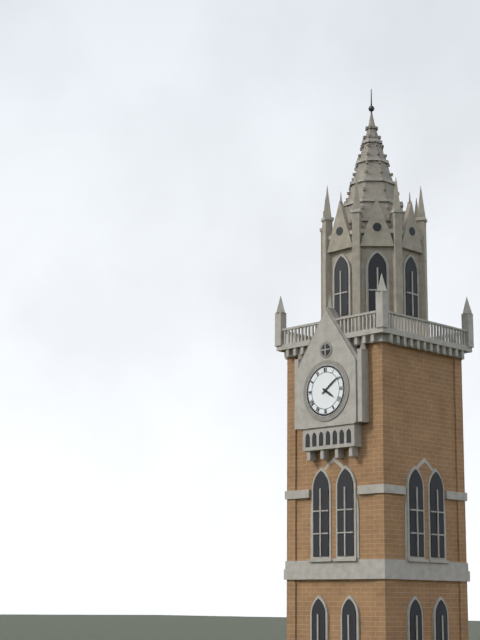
4:09
